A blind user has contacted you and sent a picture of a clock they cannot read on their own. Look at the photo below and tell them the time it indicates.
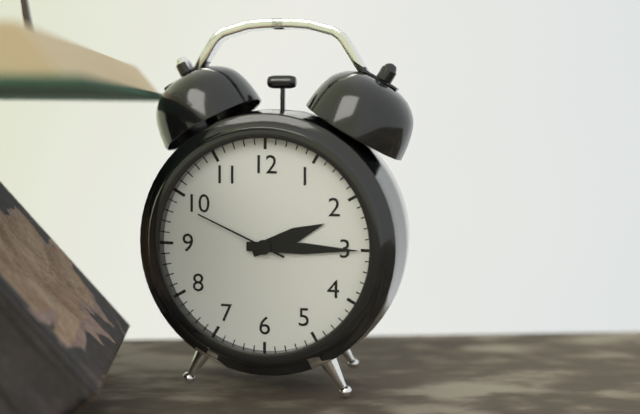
2:15:49
